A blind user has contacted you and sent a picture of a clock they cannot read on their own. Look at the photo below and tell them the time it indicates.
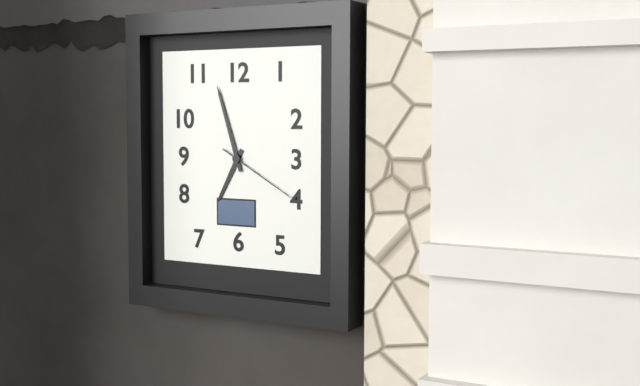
6:57:20
